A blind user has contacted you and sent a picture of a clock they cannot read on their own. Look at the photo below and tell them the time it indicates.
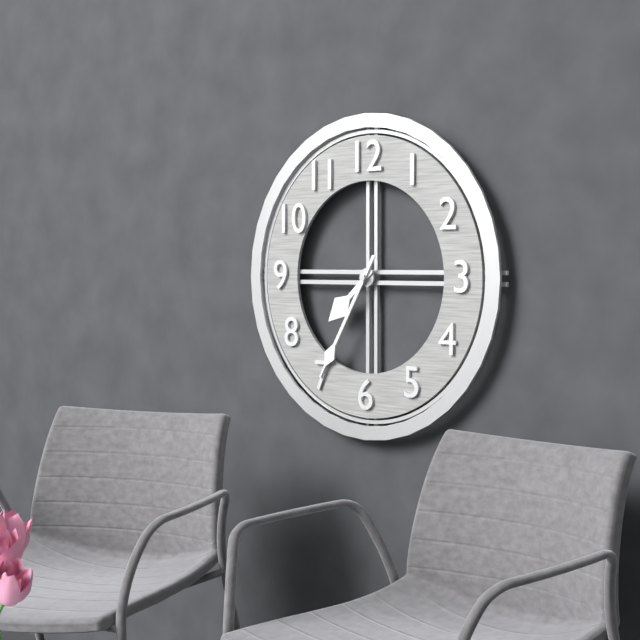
7:35
